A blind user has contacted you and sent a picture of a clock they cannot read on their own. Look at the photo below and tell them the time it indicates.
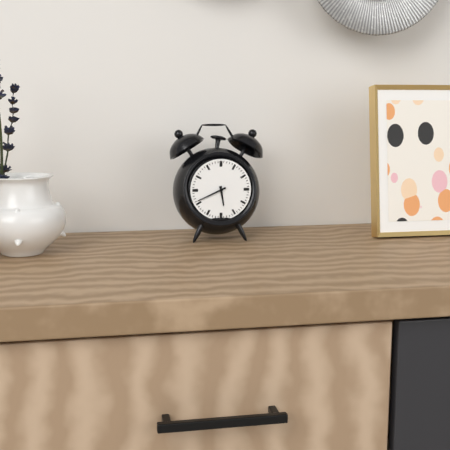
5:41
